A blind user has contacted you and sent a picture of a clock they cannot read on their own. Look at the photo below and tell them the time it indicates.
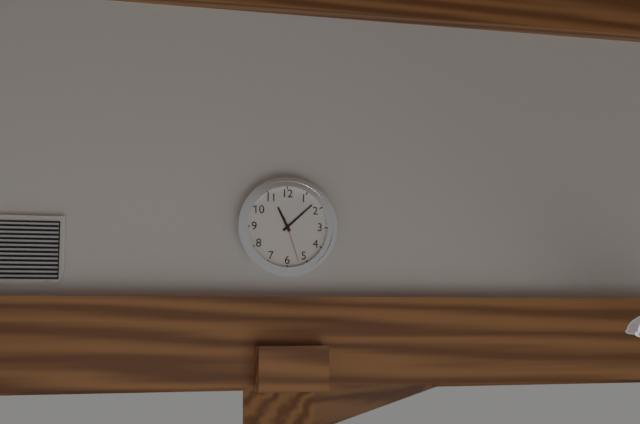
11:08
